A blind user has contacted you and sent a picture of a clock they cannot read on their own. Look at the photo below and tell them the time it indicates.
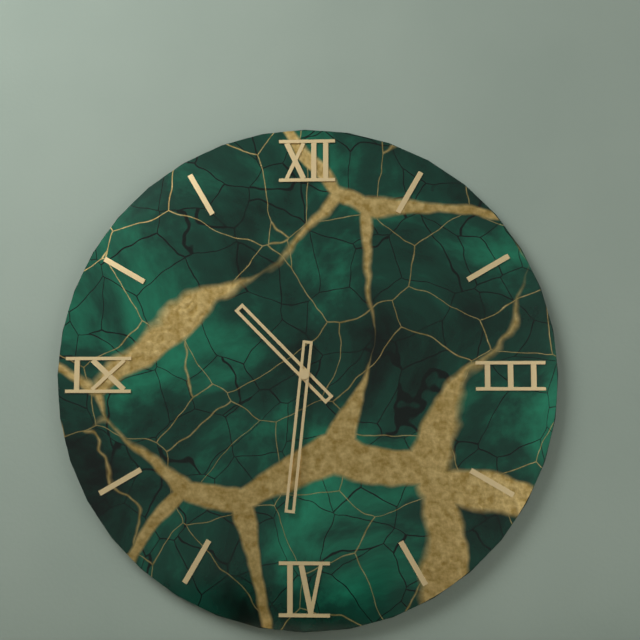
10:31
